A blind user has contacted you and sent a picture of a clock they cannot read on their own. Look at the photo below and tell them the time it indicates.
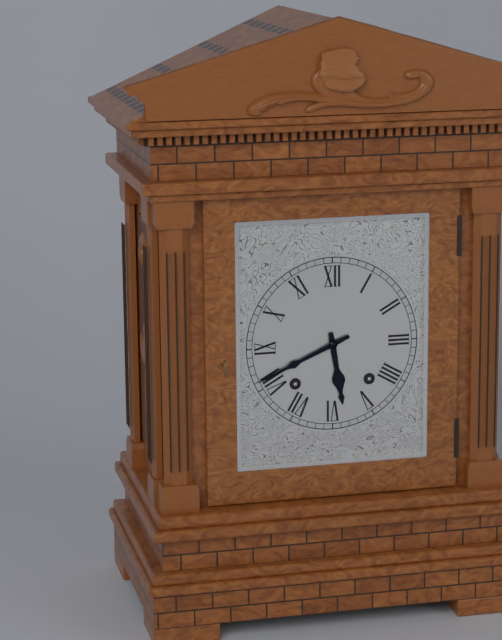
5:41
